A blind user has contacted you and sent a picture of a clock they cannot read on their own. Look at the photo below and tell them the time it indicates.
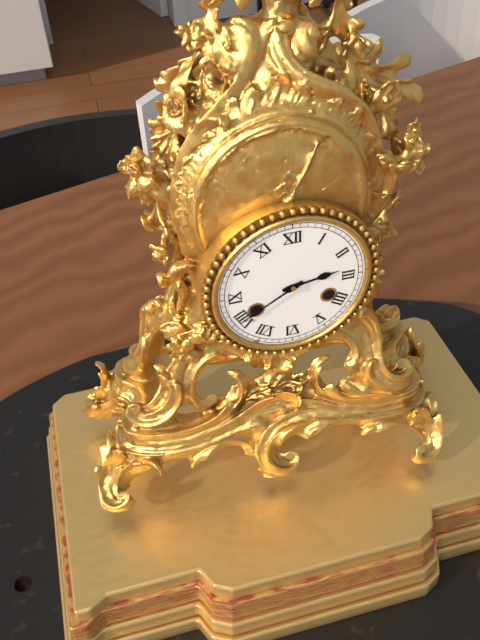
2:40
